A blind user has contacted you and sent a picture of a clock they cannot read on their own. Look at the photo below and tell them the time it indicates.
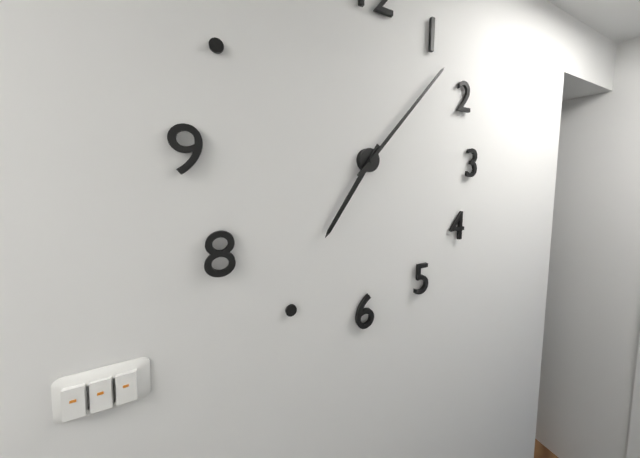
7:07
